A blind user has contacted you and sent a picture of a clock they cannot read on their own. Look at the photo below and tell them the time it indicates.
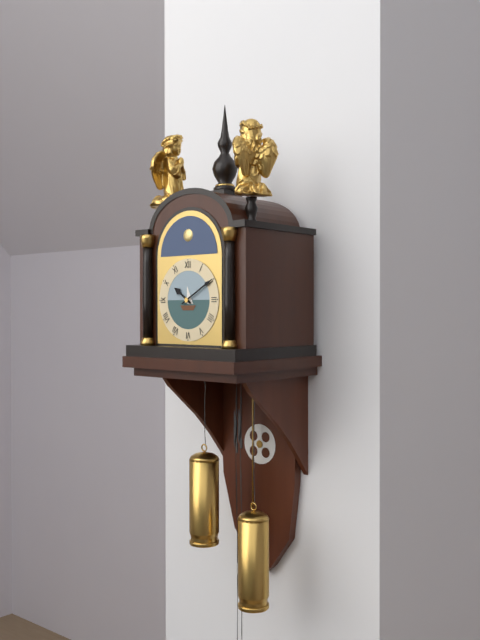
10:10
